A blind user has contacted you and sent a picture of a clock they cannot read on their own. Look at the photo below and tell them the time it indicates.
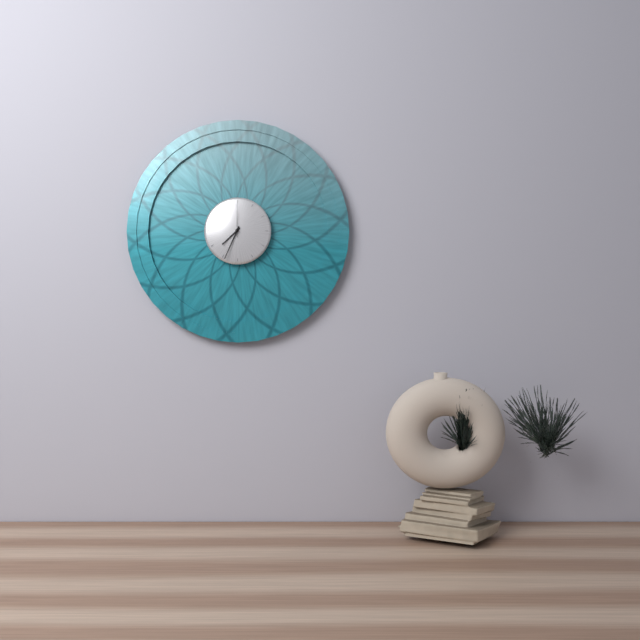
7:34
